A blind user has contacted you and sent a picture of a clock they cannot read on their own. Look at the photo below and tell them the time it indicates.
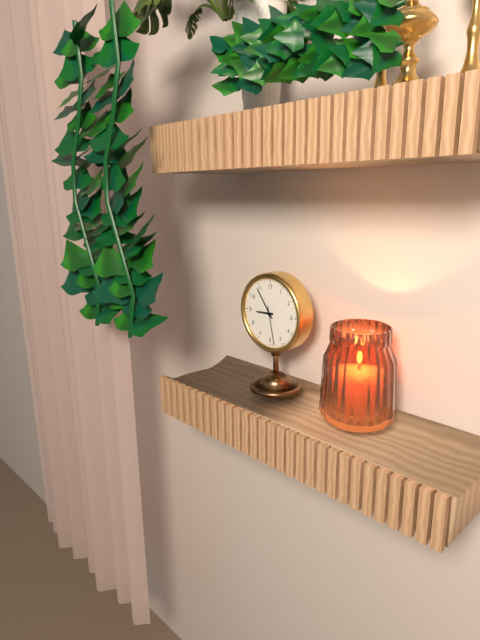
8:54
